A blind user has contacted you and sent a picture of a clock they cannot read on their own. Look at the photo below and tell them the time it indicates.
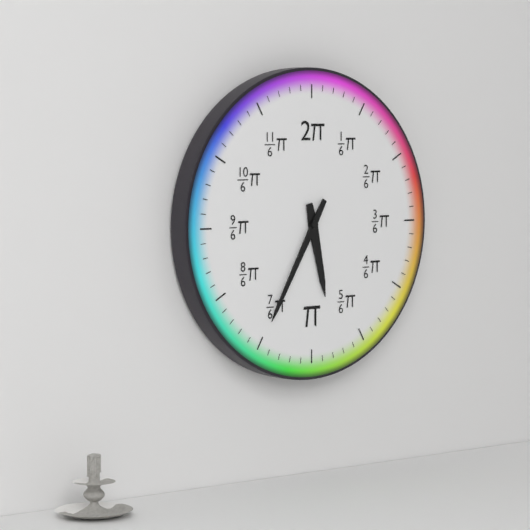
5:35
